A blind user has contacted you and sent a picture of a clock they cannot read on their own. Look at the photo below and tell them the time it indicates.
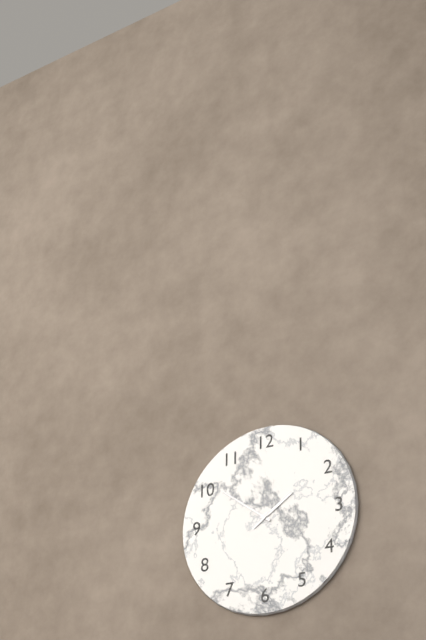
1:51
